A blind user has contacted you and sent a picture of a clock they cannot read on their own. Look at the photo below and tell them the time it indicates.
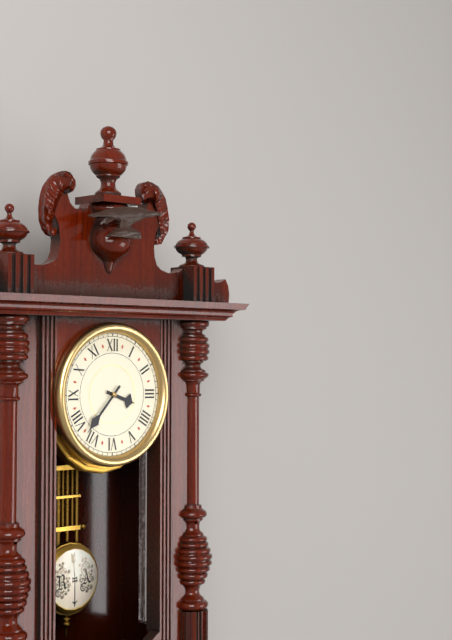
3:37
